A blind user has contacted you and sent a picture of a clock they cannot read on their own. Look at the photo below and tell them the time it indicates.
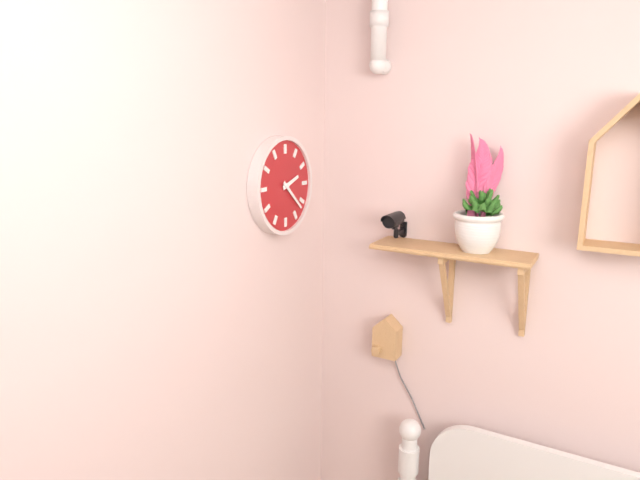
2:22
